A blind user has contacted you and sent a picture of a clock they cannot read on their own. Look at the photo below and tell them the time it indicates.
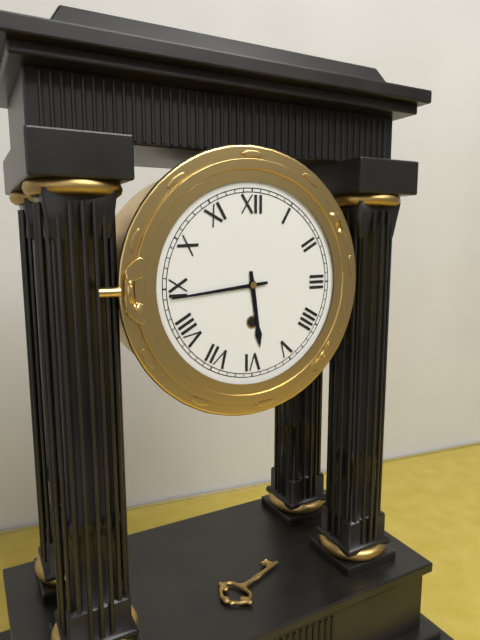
5:44
